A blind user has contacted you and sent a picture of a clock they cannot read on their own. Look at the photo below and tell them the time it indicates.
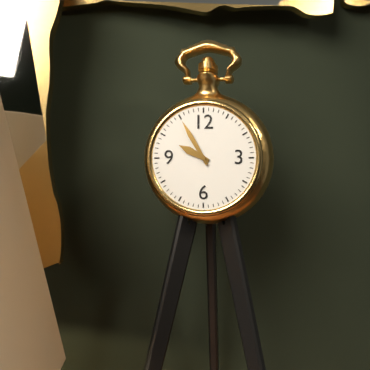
9:55
